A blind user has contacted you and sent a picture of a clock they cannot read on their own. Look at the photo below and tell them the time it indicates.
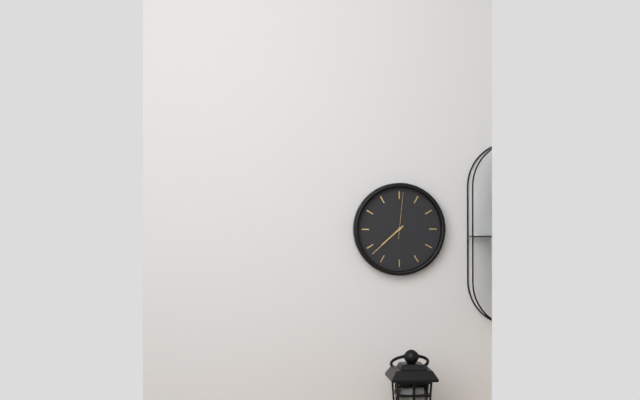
7:38
